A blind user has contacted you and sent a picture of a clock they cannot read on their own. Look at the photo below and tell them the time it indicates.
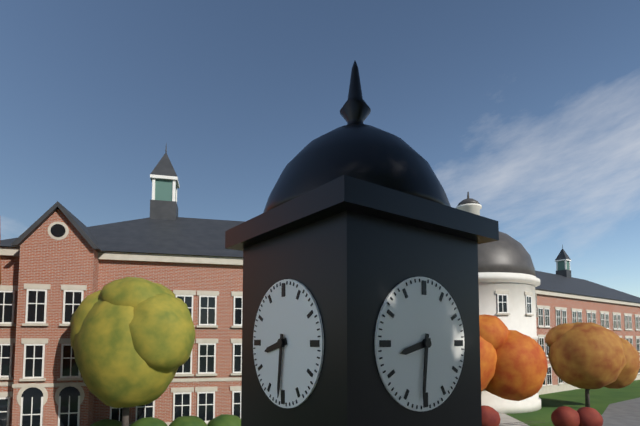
8:31
